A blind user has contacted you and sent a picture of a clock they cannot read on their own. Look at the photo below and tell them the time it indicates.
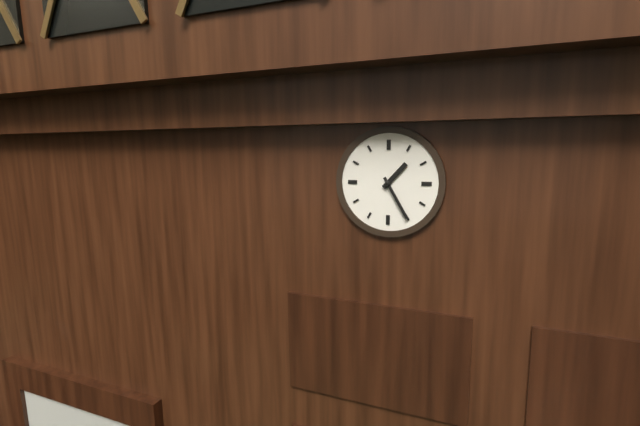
1:25
